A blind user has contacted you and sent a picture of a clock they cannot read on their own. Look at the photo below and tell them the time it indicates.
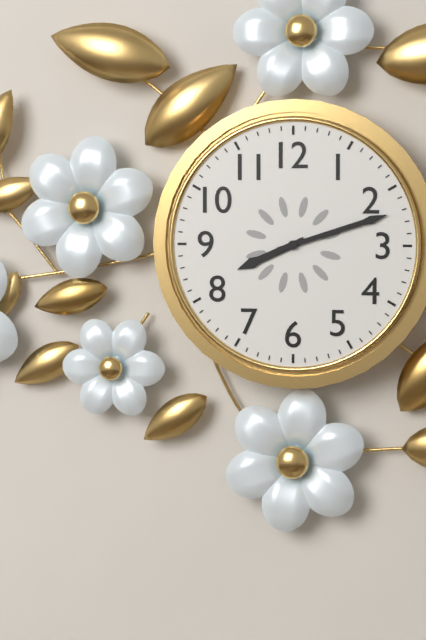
8:12
